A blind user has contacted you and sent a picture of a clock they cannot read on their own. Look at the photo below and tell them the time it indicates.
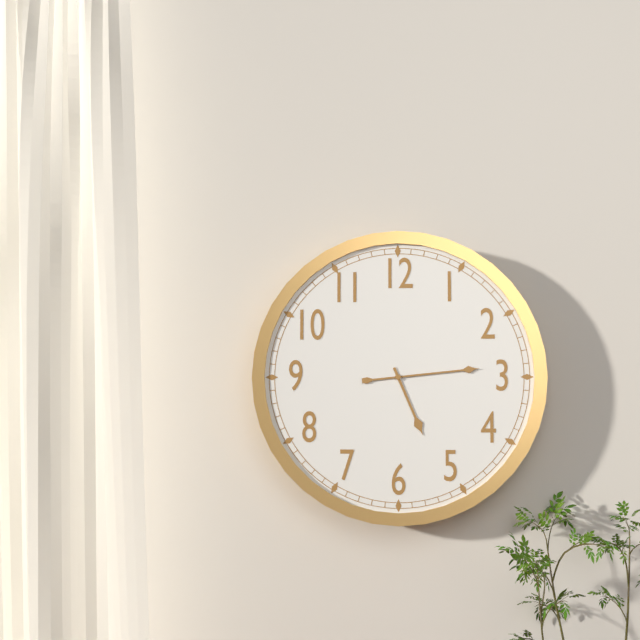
5:14
